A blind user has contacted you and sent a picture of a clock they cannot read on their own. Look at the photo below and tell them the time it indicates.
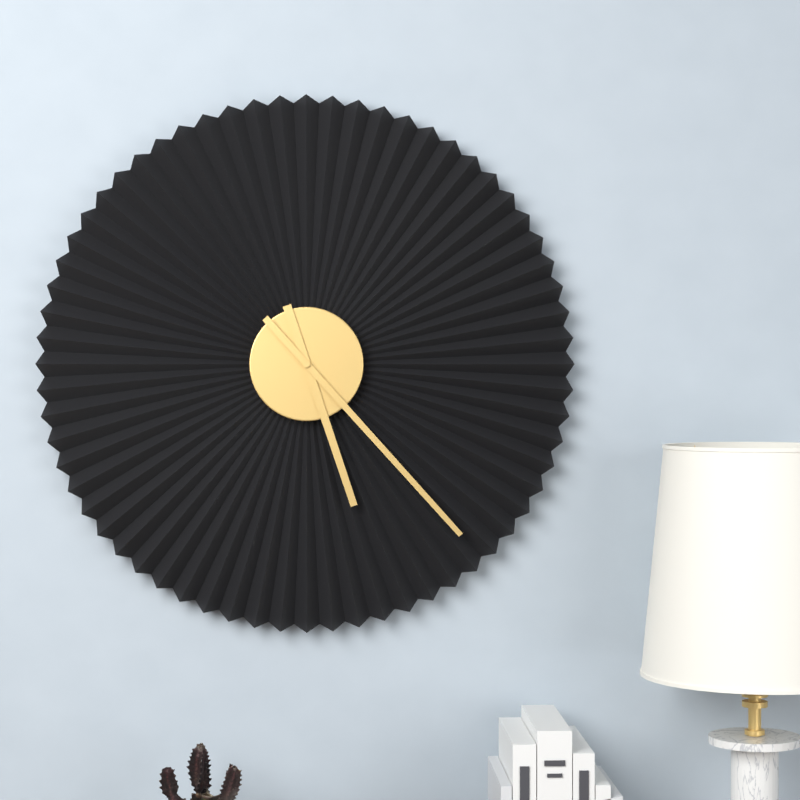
5:23
